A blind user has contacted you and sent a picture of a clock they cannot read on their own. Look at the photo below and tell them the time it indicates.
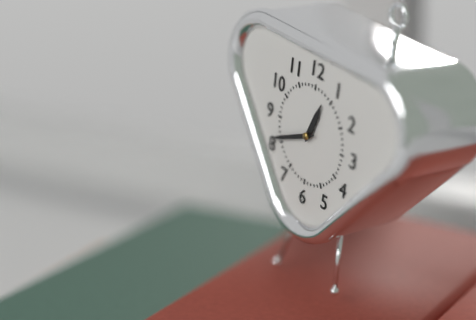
12:41
